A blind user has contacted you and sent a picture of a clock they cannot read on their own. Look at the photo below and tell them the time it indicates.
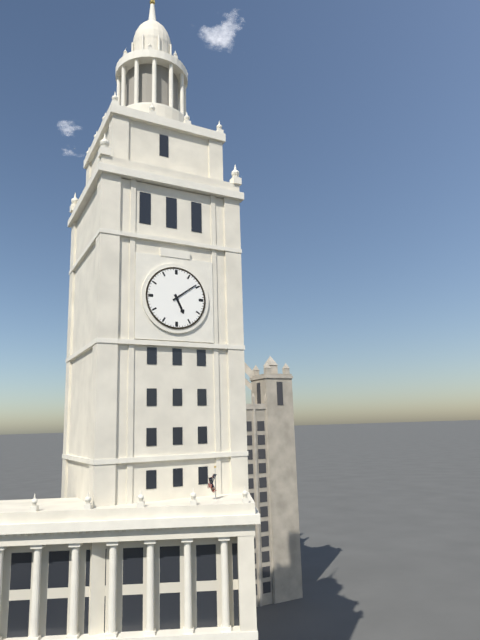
5:09
